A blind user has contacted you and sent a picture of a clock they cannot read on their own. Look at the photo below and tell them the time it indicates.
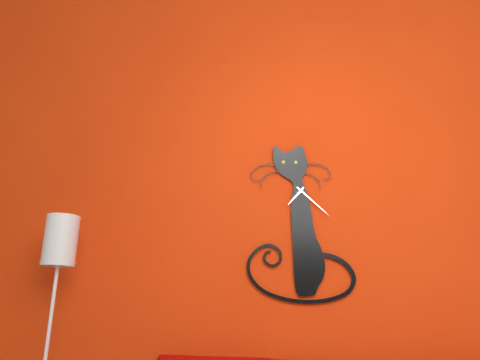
7:22
